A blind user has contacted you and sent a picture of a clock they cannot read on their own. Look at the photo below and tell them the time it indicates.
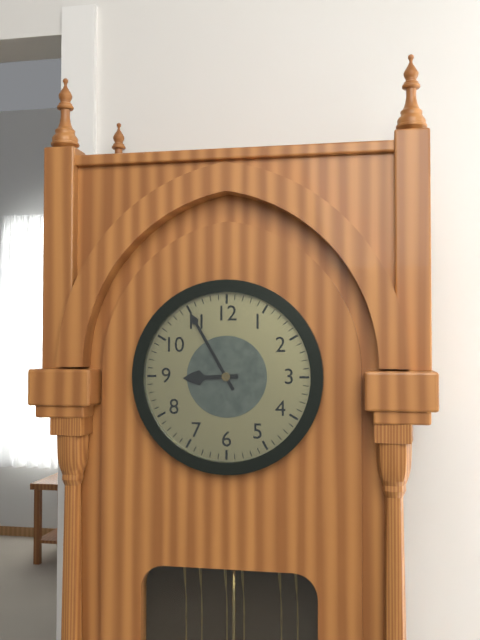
8:55
